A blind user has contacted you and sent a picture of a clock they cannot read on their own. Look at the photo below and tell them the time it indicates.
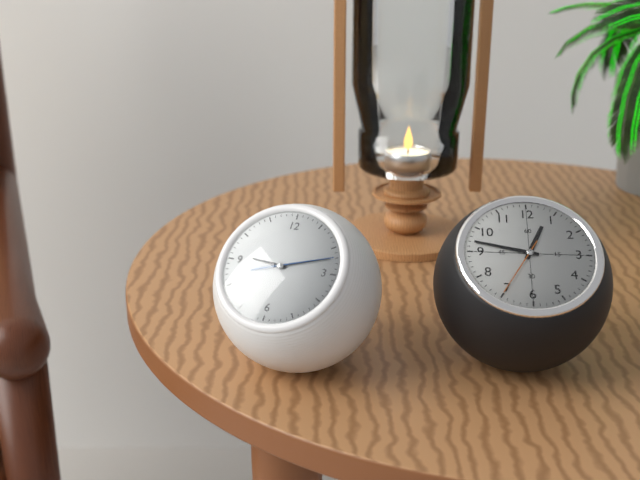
9:12:12
